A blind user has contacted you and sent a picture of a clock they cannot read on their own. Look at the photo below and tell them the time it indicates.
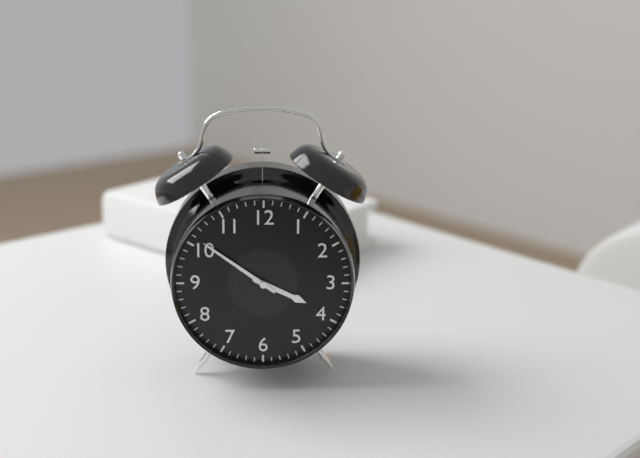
3:51
